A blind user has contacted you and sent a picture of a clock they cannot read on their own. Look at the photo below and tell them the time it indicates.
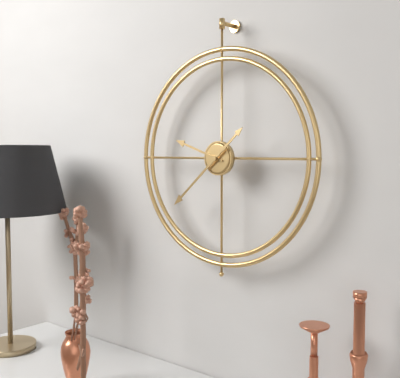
9:38
